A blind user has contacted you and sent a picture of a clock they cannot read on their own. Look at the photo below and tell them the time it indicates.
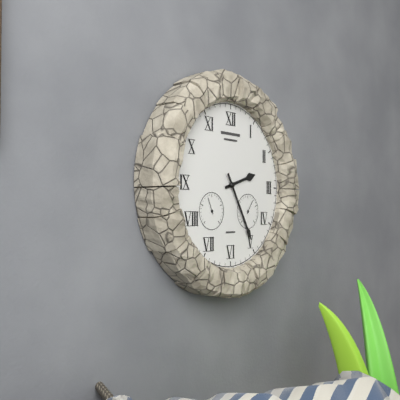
2:25
